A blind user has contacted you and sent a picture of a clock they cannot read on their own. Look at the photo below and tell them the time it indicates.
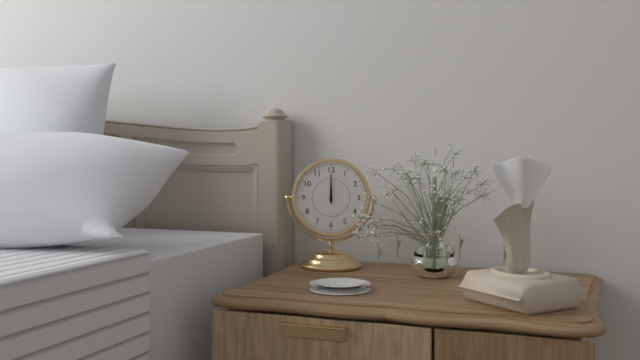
12:00
